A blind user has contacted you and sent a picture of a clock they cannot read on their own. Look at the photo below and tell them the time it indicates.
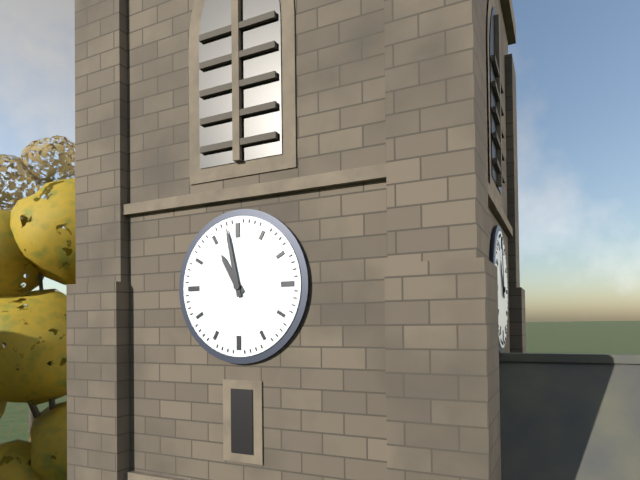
10:58
